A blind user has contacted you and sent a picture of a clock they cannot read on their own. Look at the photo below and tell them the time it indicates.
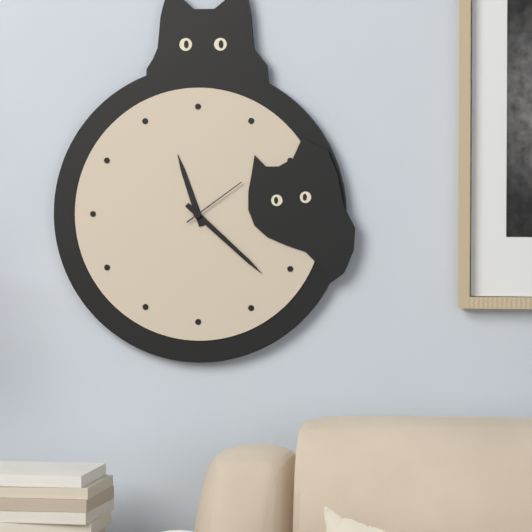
11:22:09
